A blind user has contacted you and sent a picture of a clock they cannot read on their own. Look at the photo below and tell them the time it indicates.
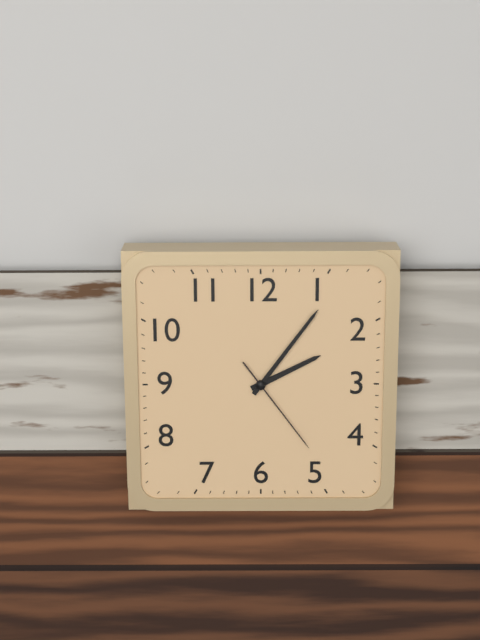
2:06:24
